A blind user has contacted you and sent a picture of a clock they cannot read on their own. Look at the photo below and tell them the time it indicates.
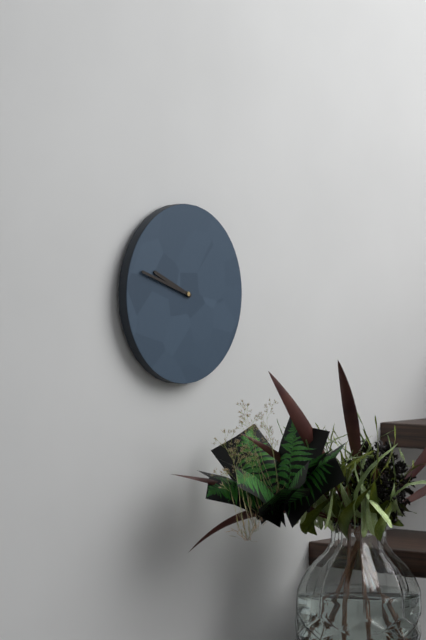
9:48
